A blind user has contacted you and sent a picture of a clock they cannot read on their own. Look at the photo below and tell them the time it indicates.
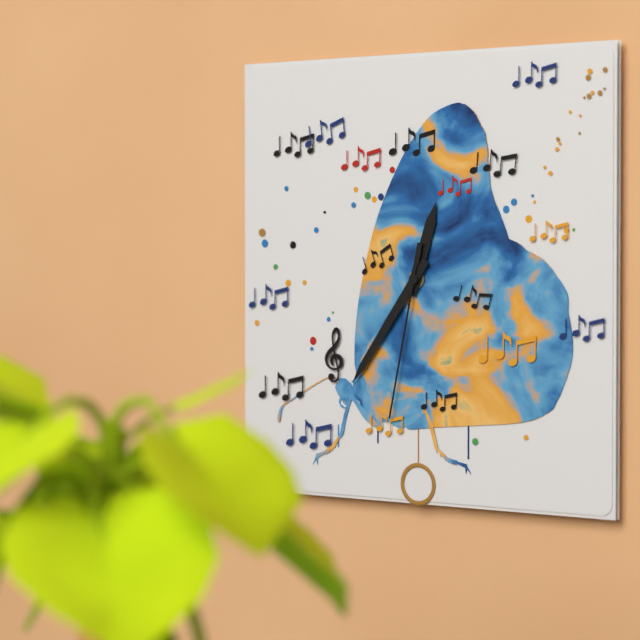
12:36:32
